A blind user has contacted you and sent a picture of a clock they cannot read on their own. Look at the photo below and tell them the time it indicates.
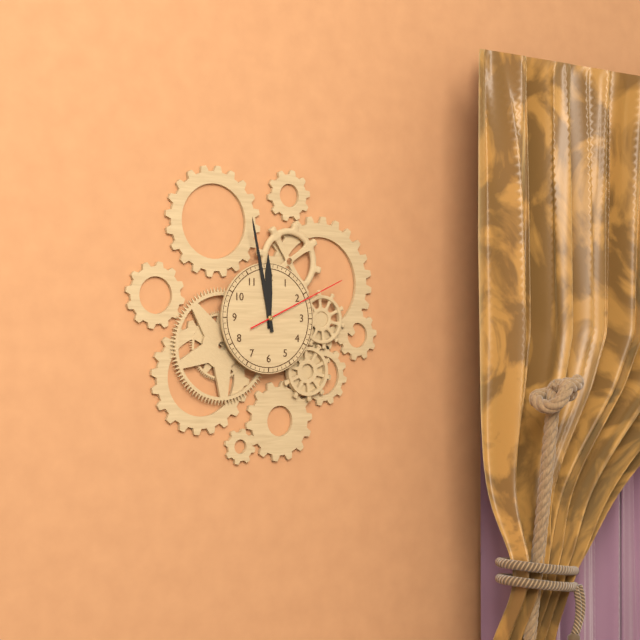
11:58:11
